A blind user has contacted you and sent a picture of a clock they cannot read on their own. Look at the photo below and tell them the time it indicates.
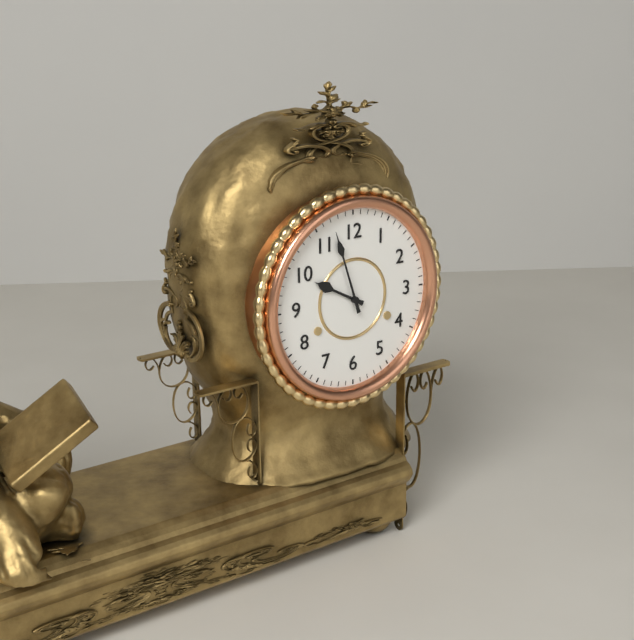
9:57
